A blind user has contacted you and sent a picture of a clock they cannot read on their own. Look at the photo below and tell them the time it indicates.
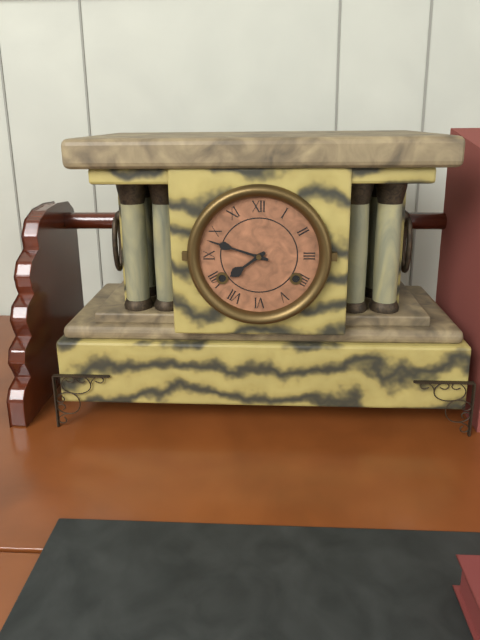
7:48
